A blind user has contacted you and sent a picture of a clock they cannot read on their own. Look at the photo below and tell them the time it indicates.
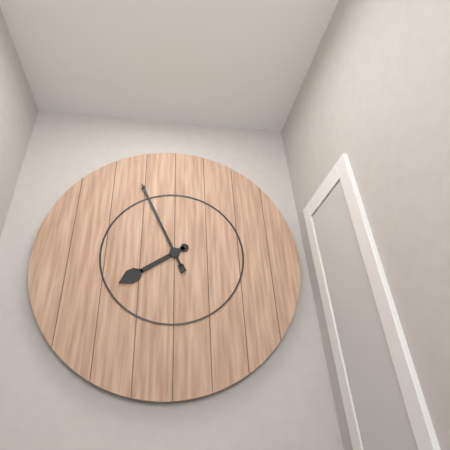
7:56
